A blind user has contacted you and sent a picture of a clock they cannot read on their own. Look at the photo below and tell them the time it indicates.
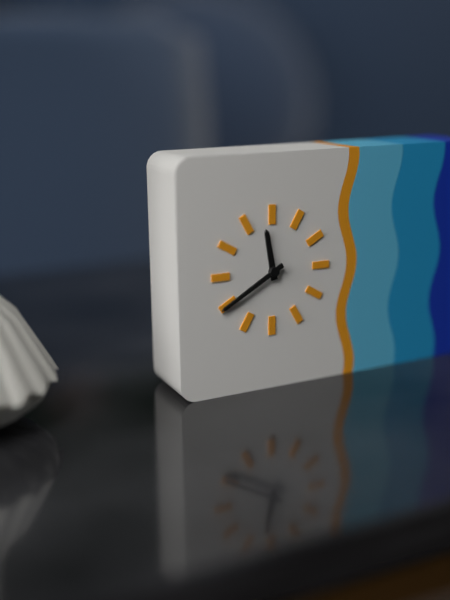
11:40
